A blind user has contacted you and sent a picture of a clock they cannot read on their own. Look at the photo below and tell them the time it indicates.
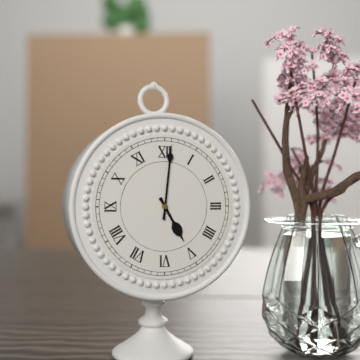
5:01
